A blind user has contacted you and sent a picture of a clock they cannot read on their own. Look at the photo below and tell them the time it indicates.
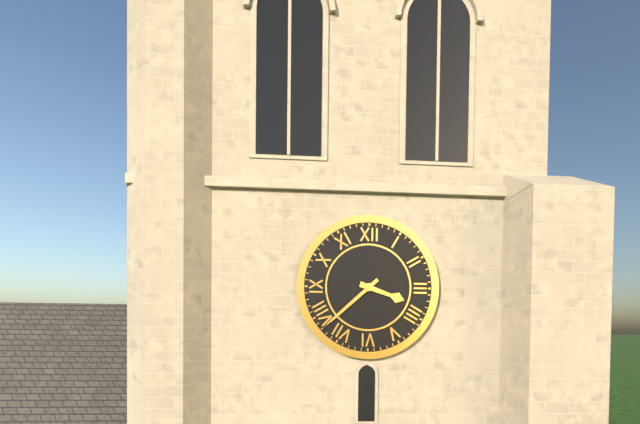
3:38
